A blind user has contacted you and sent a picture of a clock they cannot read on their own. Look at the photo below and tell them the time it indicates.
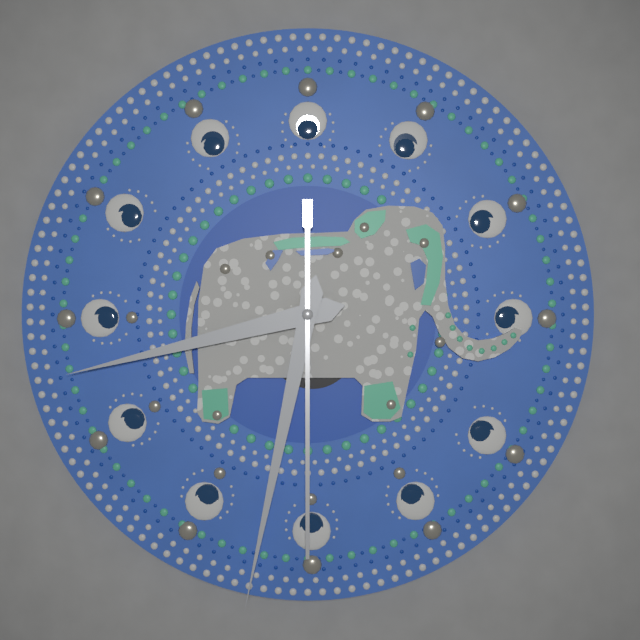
8:32:30
